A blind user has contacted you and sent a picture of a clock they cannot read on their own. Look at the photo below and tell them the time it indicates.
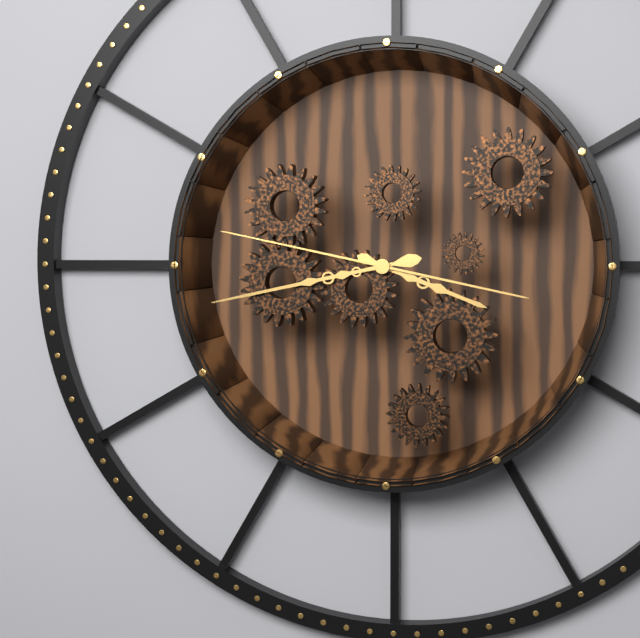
3:43:47
